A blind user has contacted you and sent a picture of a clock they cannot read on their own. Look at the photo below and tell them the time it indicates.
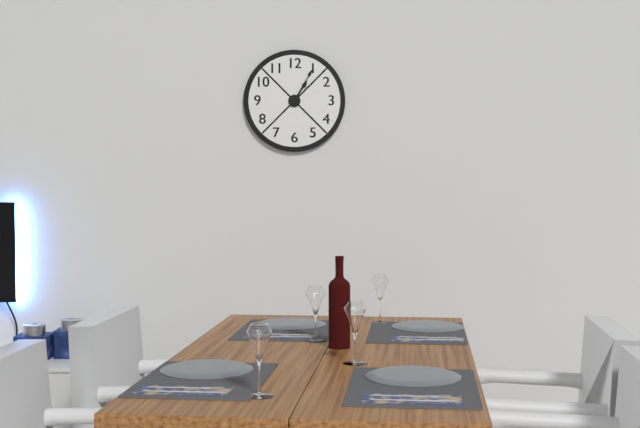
1:05
